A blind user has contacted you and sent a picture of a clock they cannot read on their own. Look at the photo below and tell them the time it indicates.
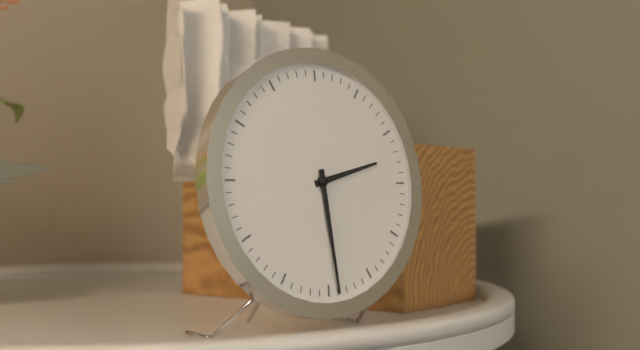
2:29
